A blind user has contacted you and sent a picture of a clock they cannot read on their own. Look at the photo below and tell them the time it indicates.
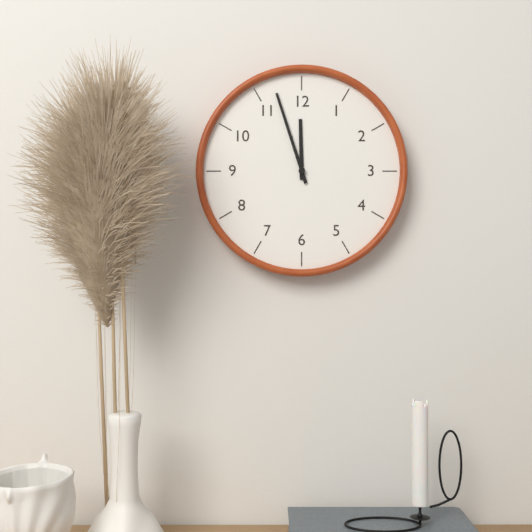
11:57
